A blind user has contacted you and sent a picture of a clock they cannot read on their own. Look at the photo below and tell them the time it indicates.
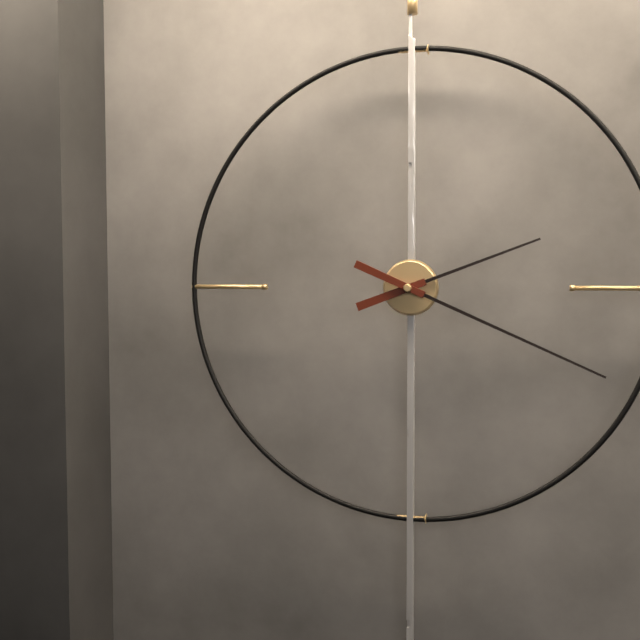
2:19
